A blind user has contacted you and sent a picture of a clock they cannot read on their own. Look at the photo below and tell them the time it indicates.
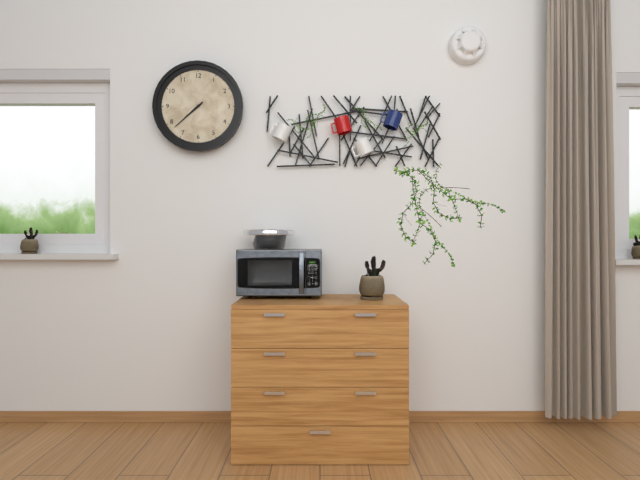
7:38
